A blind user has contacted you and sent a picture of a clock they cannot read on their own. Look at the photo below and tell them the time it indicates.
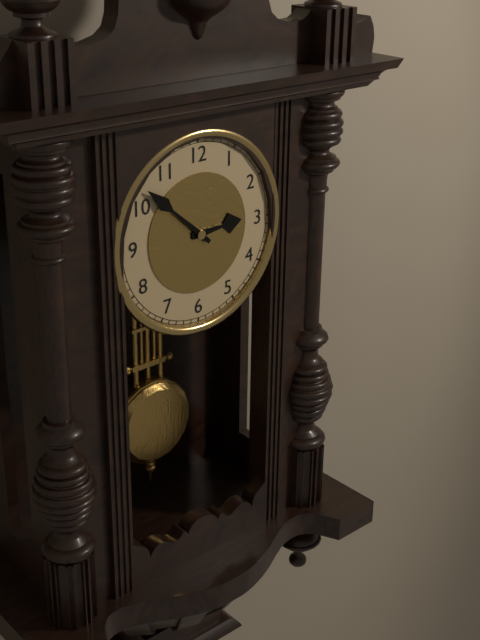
2:52
